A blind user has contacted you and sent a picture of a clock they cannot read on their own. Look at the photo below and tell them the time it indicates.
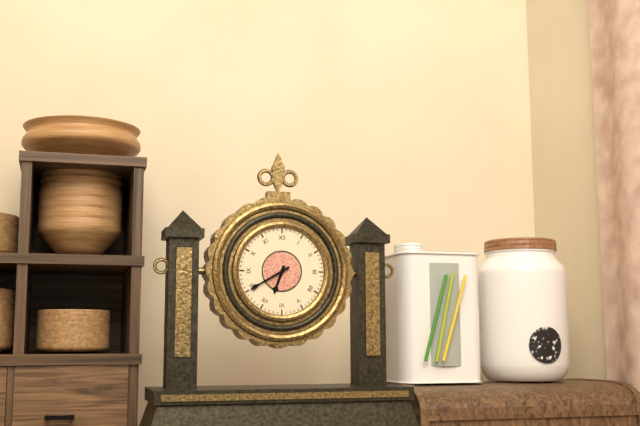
6:40
